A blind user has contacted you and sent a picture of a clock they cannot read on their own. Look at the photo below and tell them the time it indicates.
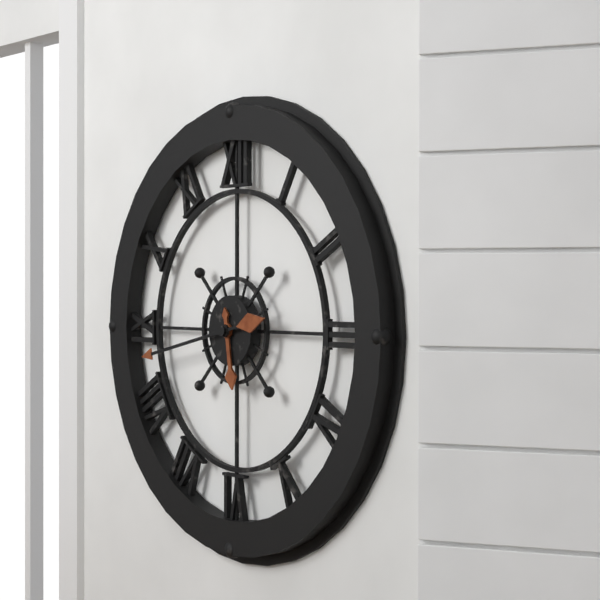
5:43
